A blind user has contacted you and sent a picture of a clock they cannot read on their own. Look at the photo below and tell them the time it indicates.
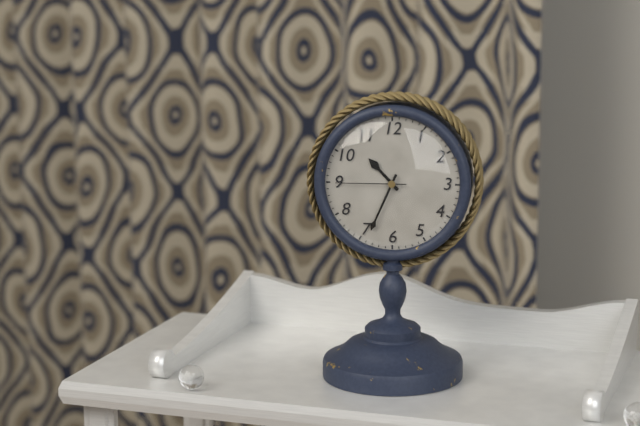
10:34:45
